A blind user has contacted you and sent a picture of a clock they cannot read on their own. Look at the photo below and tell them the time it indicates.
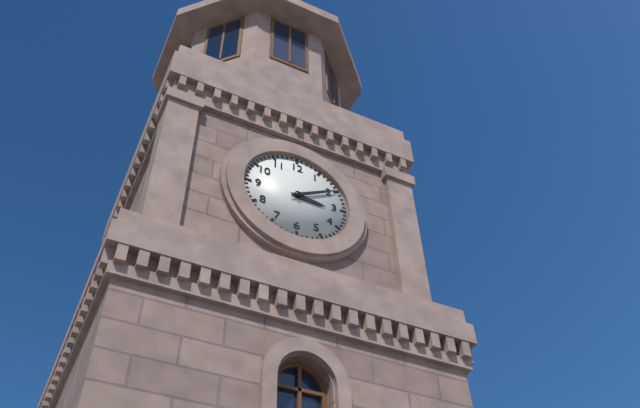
3:10
